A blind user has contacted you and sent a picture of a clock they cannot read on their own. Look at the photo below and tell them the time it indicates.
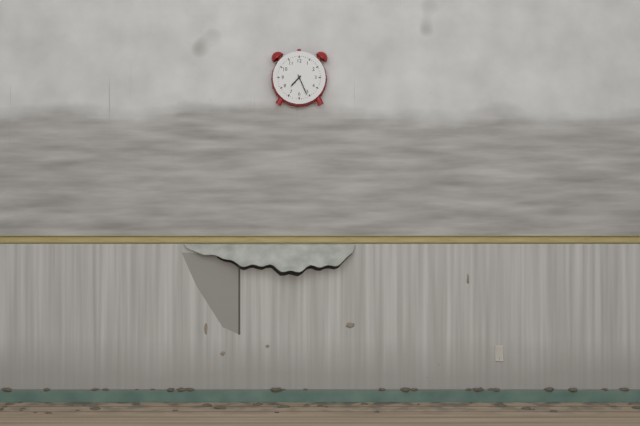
7:26
